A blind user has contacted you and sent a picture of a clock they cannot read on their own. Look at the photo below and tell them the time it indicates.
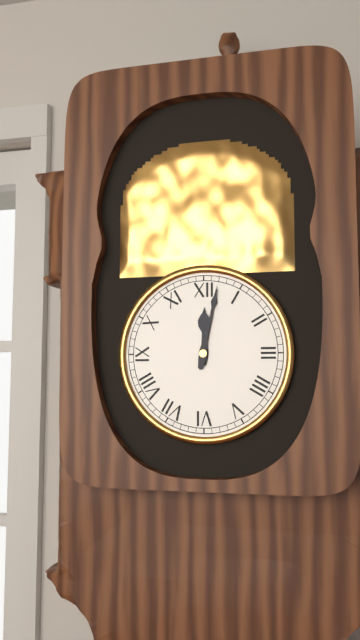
12:02
